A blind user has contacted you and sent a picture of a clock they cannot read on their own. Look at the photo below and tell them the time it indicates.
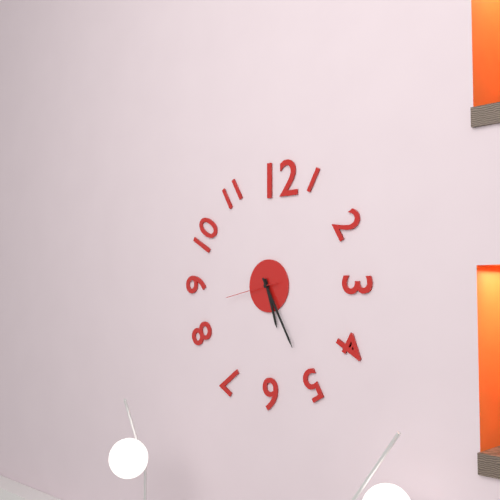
5:25:43
